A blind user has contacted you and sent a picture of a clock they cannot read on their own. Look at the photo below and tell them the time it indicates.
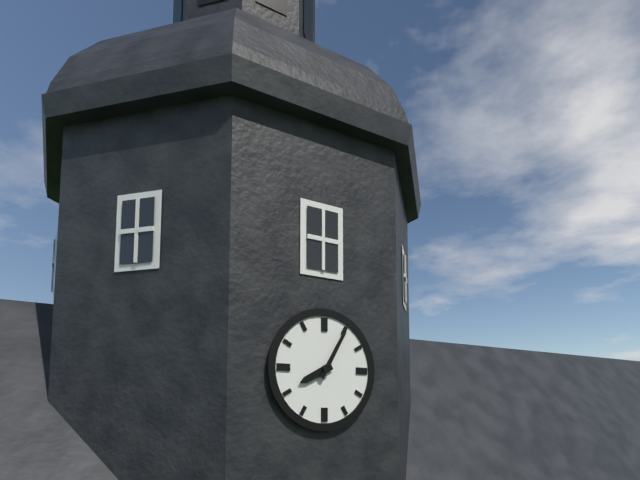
8:05
